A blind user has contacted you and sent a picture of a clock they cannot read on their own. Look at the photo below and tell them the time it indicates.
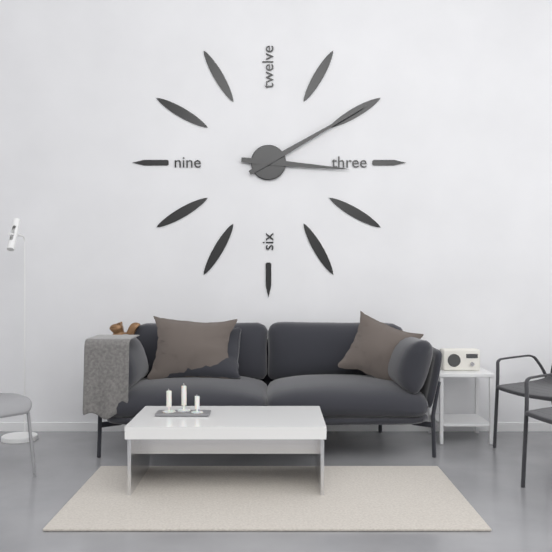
3:10
